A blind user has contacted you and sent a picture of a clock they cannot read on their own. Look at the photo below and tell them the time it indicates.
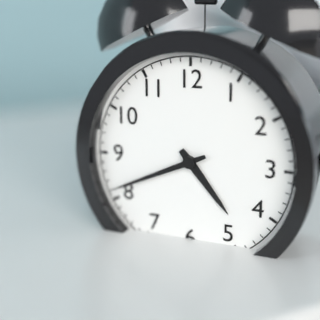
4:41
